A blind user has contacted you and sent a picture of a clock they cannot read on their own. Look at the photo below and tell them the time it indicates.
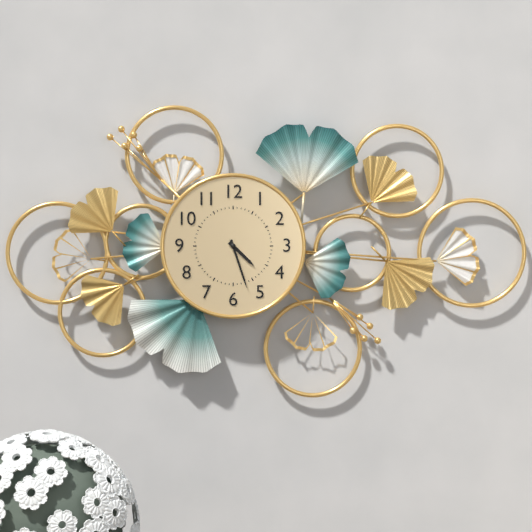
4:27
